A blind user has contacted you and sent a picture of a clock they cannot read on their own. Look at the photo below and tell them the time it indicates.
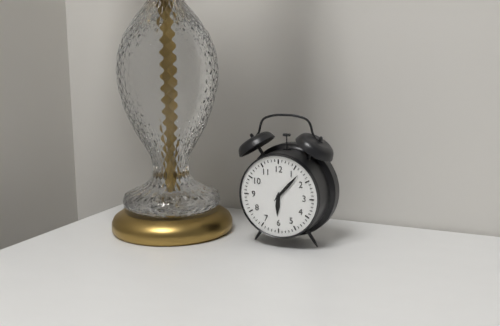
6:07
